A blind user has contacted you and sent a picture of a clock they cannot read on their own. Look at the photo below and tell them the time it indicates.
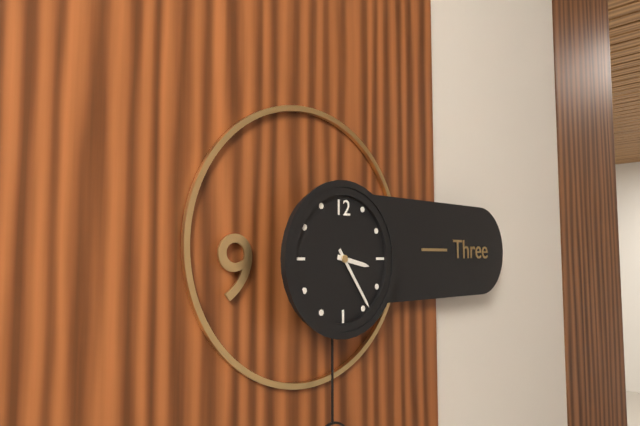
3:24
